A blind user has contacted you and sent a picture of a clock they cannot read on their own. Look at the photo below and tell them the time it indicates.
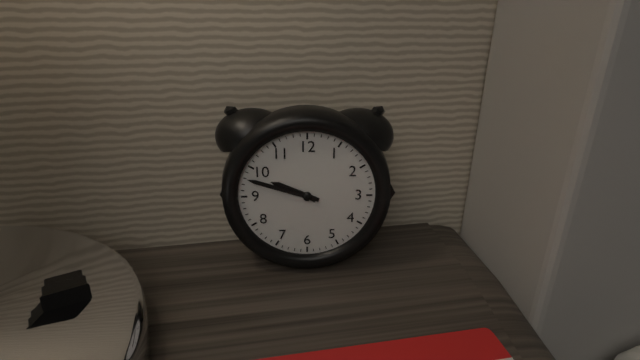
9:48
